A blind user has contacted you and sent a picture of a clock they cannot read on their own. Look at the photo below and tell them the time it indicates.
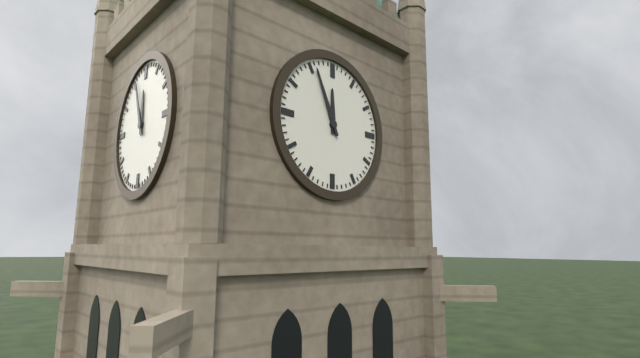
11:56
